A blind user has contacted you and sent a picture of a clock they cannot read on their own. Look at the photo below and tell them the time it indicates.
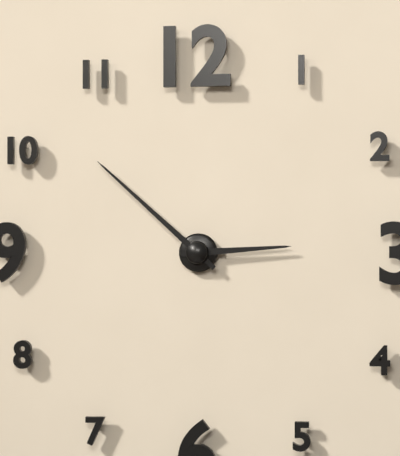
2:52
